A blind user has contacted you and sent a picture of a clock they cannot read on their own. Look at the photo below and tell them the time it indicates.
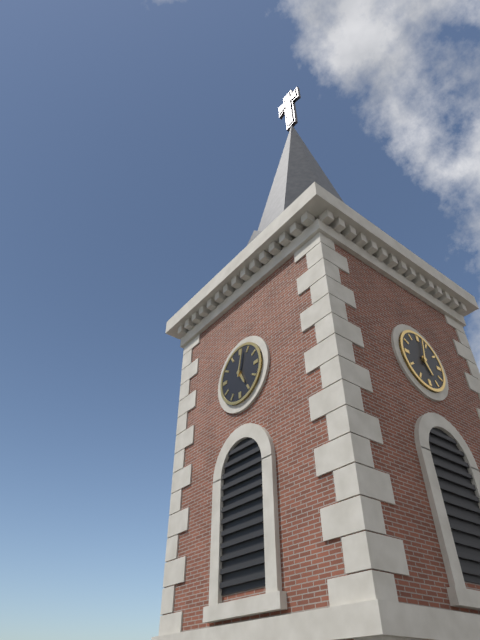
5:02
